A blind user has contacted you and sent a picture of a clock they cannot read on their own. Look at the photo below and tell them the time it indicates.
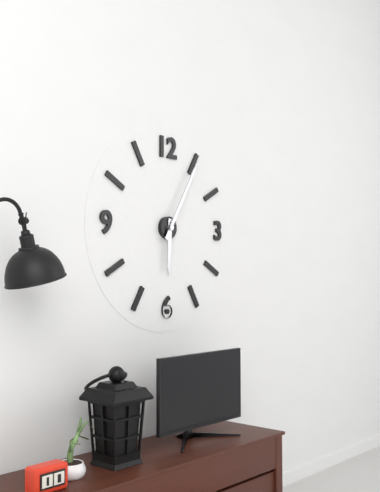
6:05
